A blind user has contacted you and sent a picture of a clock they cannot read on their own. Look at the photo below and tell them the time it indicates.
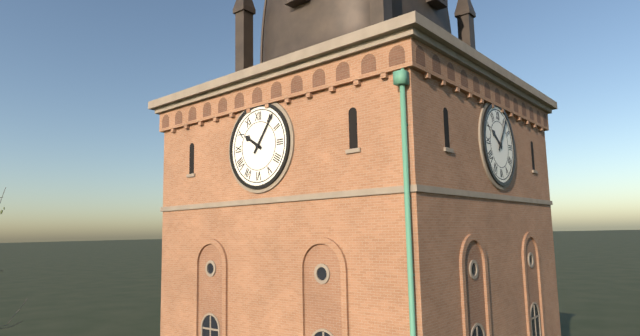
10:06
